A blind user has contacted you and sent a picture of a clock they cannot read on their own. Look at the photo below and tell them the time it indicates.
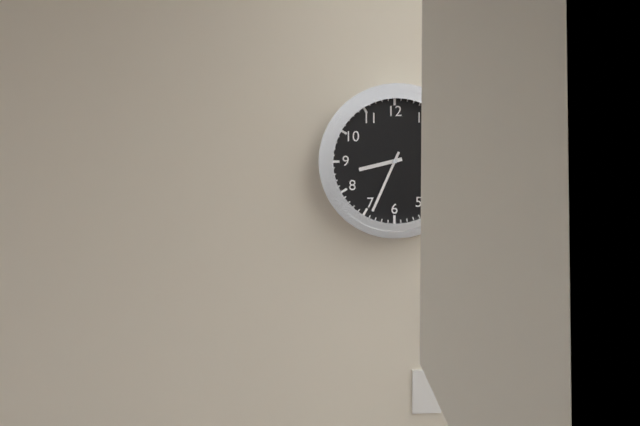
8:34
